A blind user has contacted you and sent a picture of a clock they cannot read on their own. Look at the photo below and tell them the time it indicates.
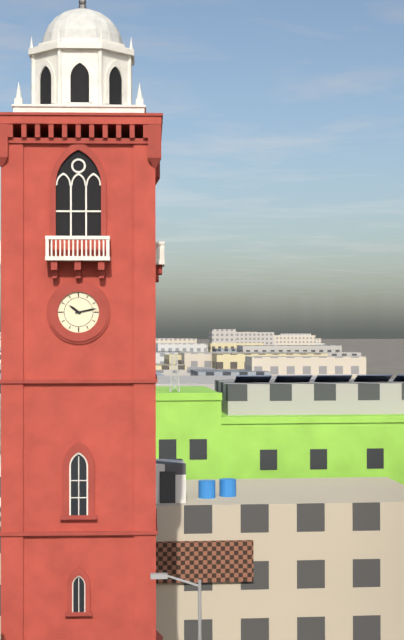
10:13
